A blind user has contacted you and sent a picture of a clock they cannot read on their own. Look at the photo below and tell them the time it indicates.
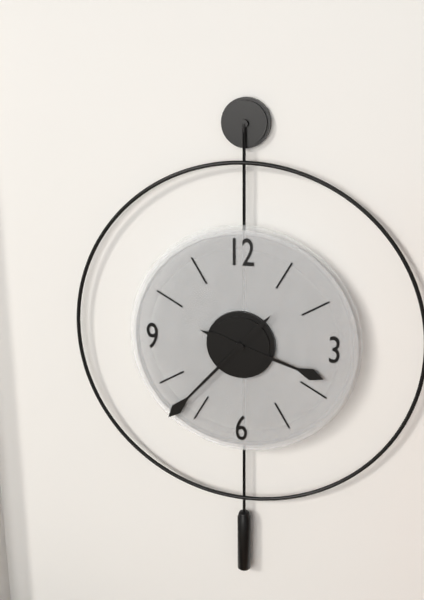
3:37
